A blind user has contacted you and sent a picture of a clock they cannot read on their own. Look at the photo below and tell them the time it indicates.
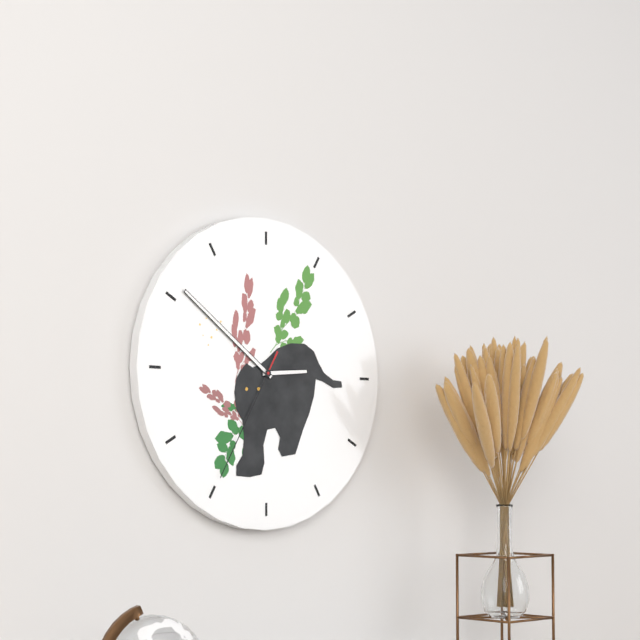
2:51:35
